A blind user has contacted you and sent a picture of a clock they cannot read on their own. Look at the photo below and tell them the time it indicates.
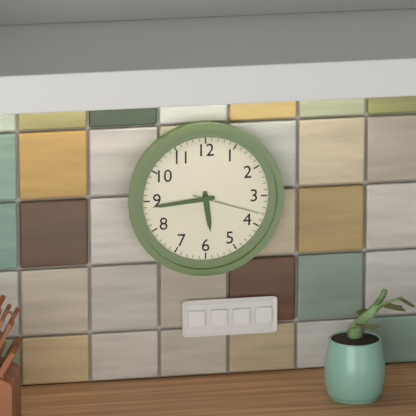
5:44:18
